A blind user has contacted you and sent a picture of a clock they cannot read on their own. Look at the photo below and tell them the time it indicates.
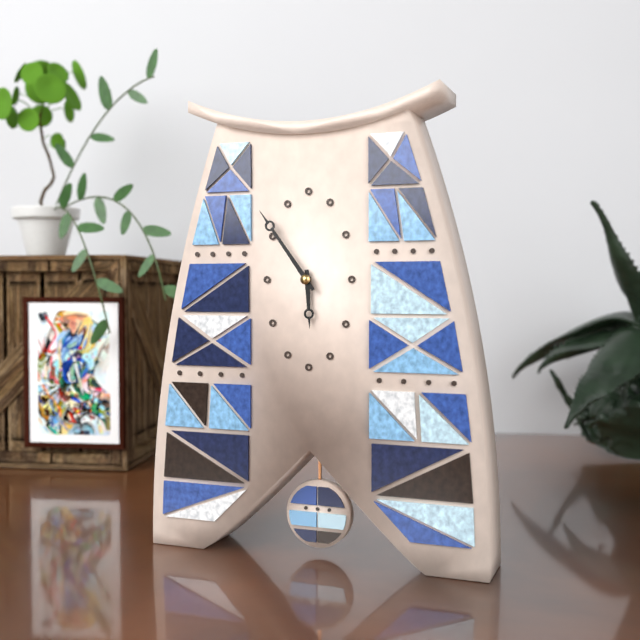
5:54
